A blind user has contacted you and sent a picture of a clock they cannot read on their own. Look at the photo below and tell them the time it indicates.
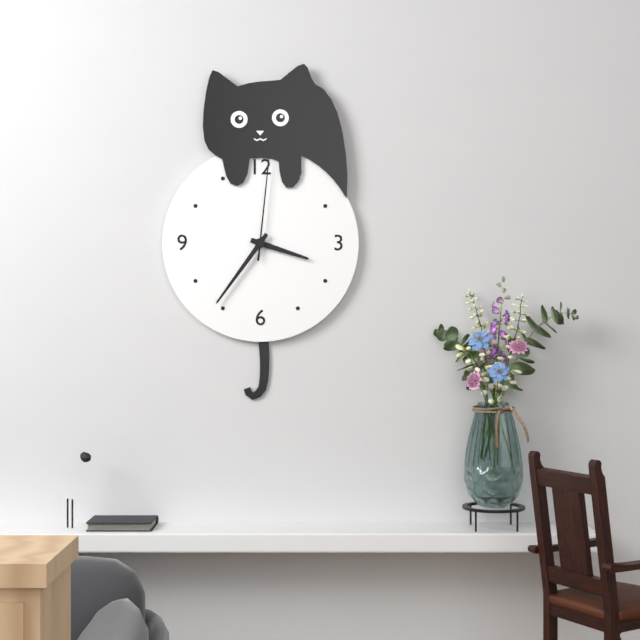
3:36:01
